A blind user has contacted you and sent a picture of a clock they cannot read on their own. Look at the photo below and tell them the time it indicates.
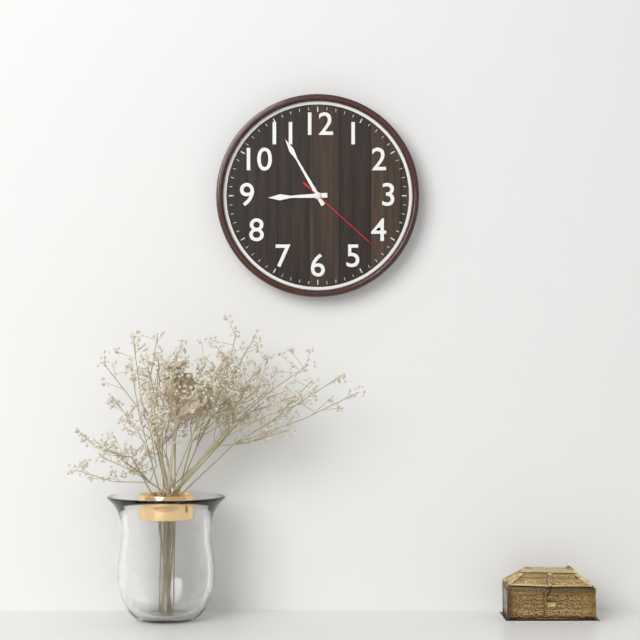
8:55:22
